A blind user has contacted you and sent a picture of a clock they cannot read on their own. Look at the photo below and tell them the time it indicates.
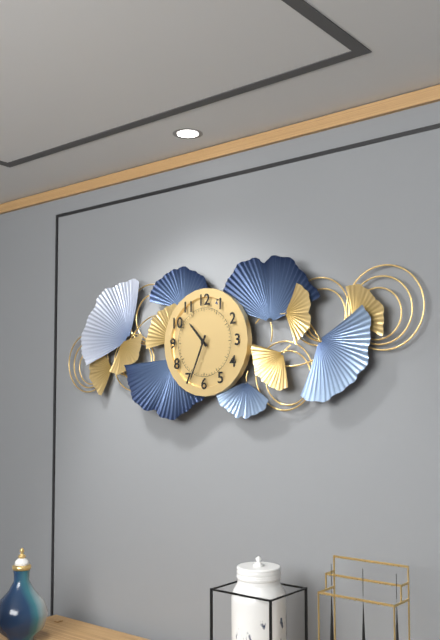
10:34
